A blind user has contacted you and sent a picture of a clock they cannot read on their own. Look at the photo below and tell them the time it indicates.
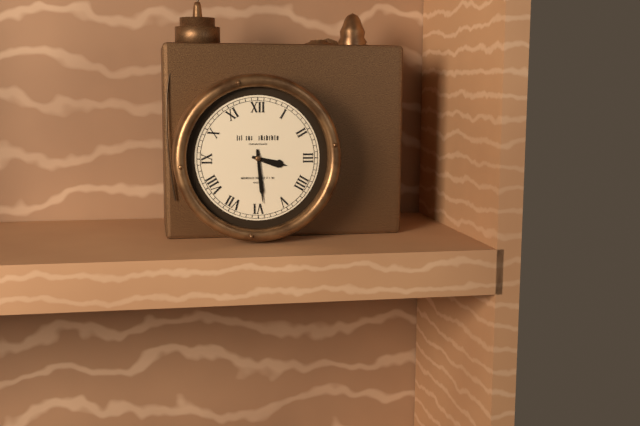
3:29
